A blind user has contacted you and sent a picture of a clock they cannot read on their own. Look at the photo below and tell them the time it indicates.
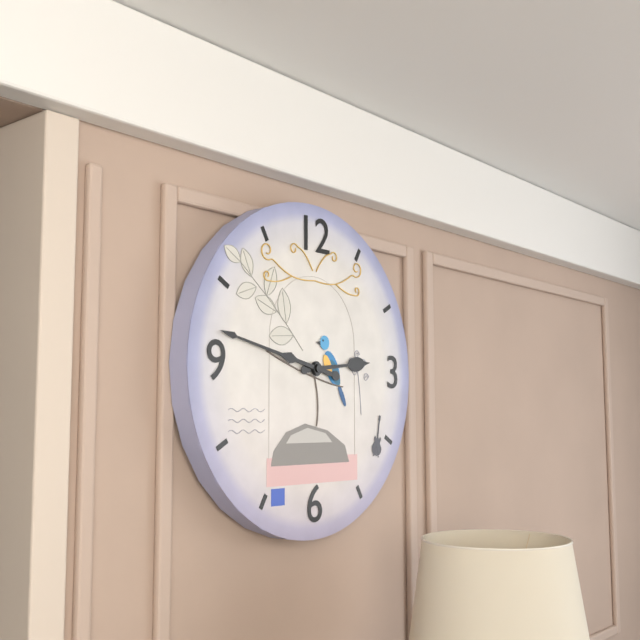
2:47
